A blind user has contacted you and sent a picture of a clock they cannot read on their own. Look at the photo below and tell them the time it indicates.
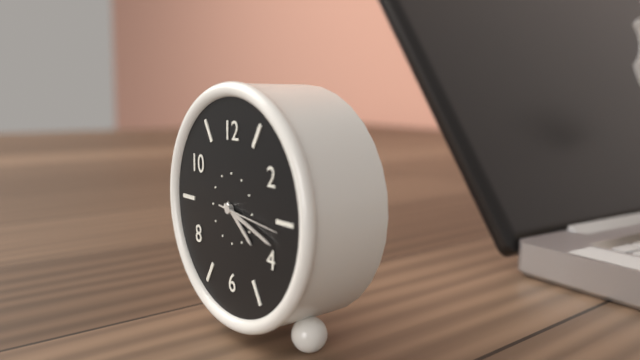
4:18
